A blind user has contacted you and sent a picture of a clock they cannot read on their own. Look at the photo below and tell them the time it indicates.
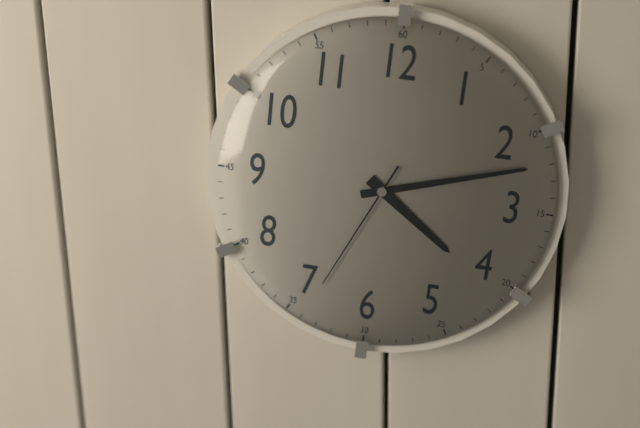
4:12:34
